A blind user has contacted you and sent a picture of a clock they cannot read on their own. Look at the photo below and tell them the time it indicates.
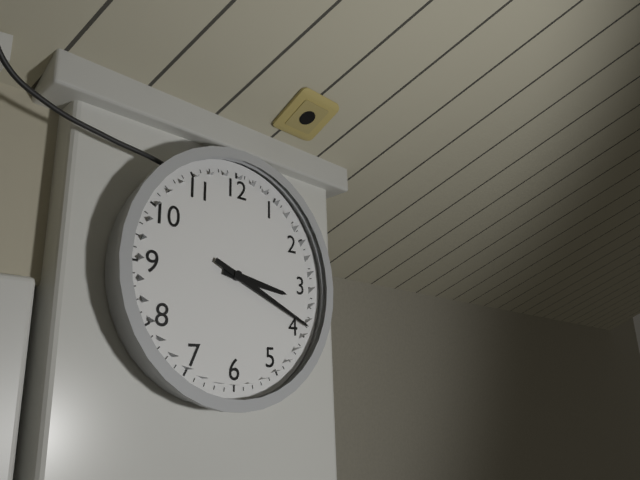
3:19
